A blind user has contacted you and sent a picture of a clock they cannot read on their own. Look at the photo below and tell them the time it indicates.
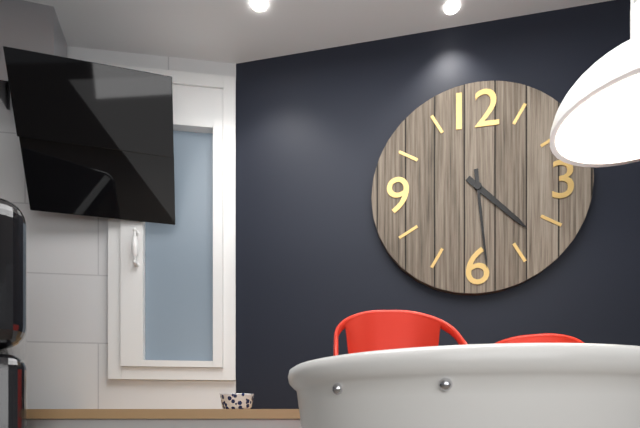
4:29
